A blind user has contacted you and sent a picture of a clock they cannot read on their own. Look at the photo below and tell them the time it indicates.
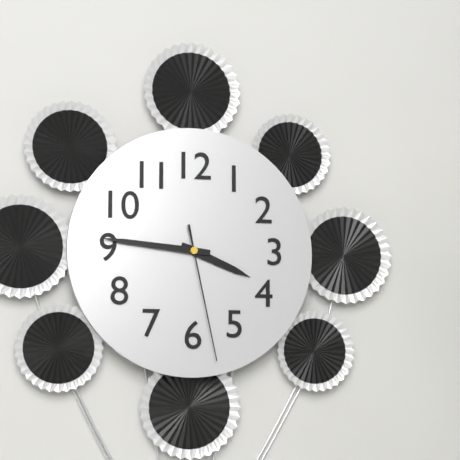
3:46:28
